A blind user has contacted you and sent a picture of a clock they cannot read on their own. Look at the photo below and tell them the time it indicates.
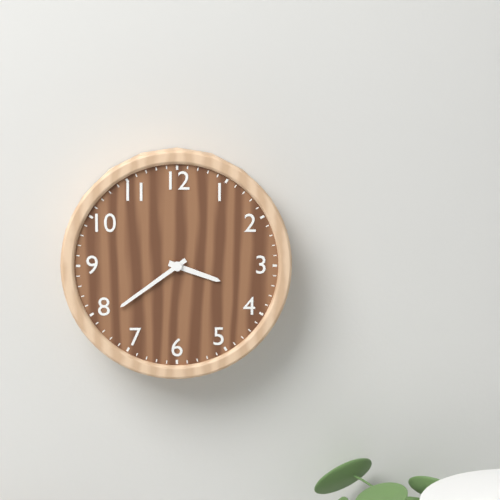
3:39
